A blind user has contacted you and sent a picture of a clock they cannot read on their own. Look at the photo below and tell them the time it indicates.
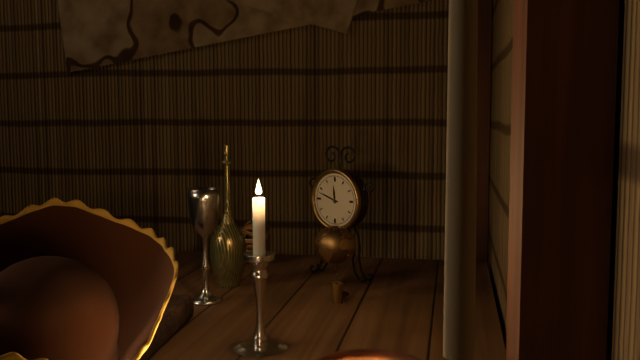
11:48
